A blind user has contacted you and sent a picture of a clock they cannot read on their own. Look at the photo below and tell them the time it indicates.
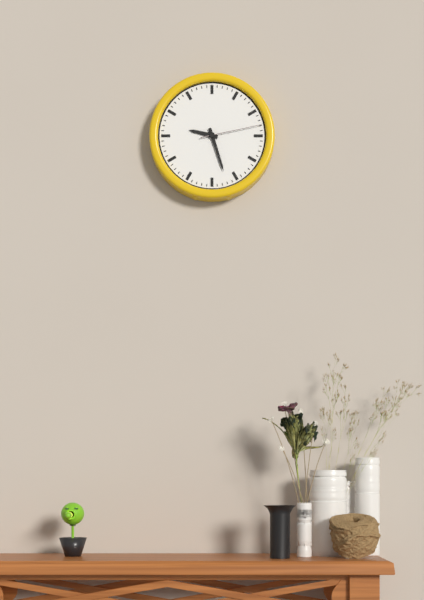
9:27:13
